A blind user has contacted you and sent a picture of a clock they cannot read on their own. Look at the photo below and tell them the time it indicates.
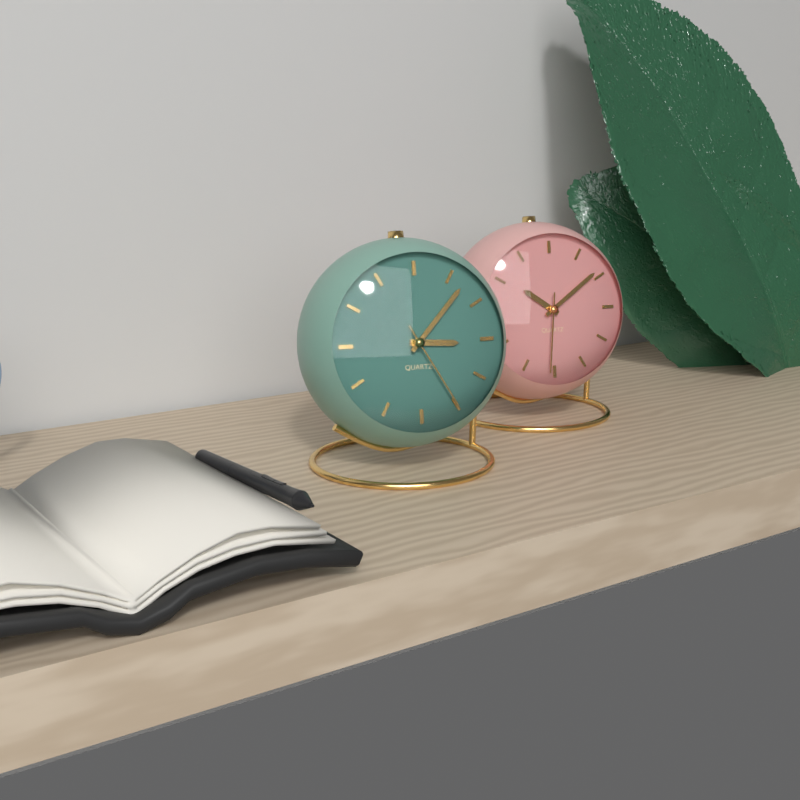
3:07:25
